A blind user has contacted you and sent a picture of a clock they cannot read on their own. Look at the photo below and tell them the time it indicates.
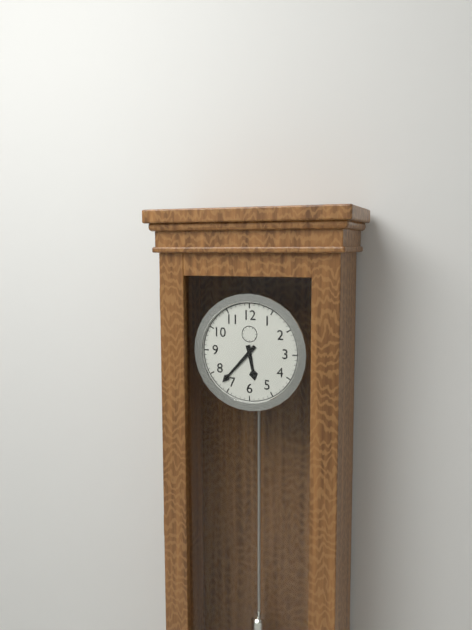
5:37
